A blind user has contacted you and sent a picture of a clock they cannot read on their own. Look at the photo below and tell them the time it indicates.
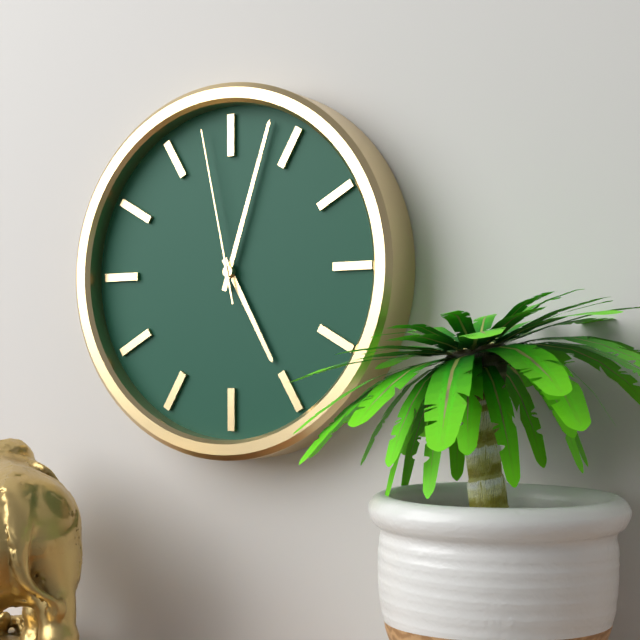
5:03:58
